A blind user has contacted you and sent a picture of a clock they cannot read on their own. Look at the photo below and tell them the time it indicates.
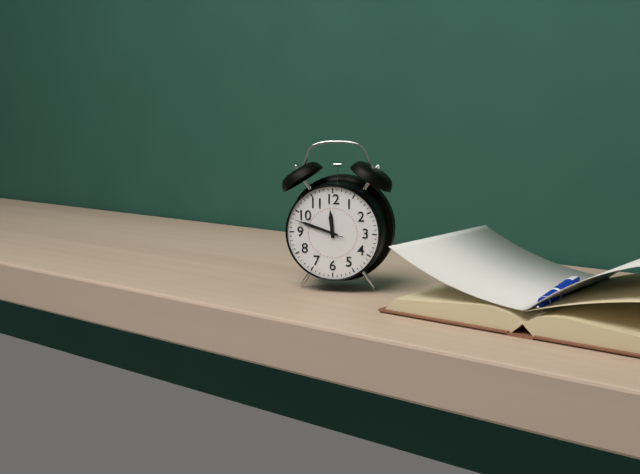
11:48:48
